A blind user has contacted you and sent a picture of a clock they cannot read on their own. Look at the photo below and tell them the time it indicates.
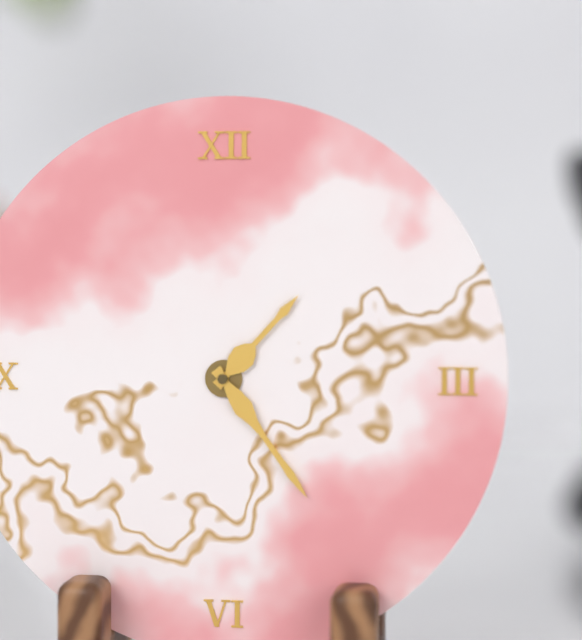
1:24
